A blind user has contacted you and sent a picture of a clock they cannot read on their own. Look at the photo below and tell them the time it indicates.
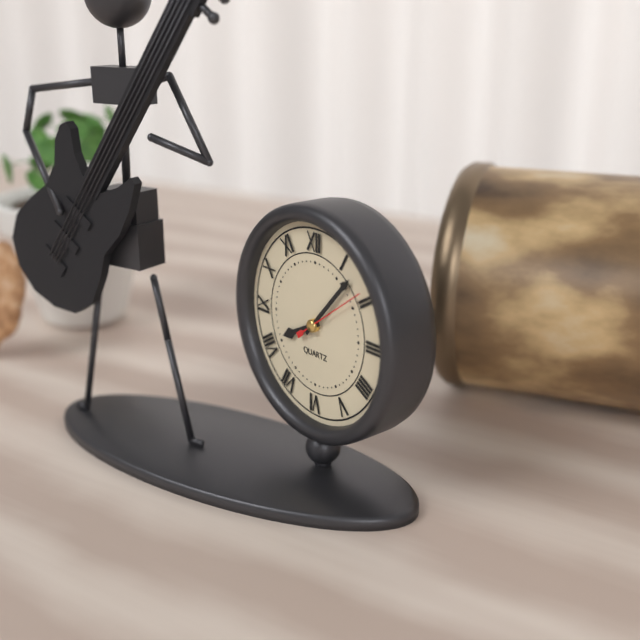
8:07:09
